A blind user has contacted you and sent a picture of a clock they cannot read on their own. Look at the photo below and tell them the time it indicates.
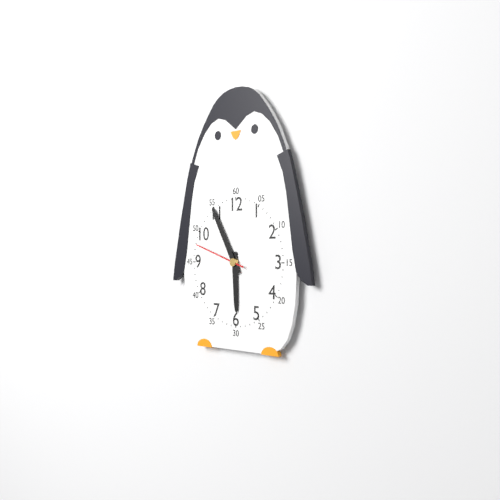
5:55:48
